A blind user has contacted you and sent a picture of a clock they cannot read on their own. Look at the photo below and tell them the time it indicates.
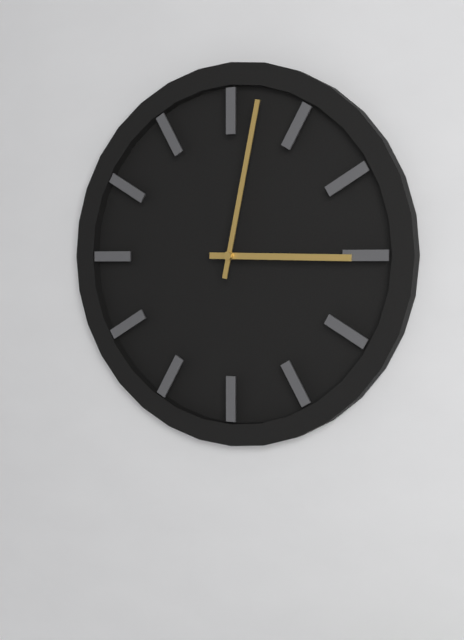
3:02
